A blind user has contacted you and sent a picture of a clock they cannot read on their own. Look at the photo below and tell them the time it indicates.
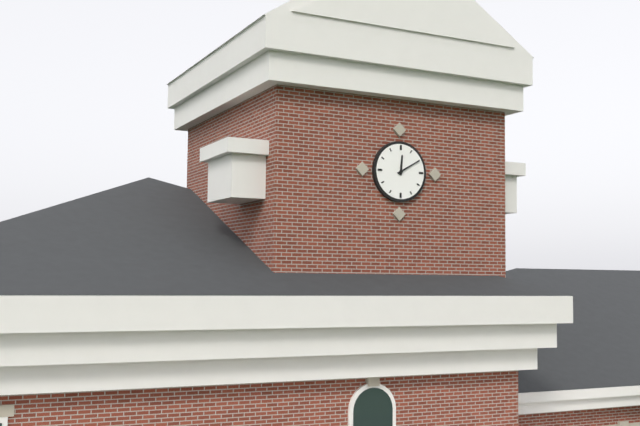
12:10
